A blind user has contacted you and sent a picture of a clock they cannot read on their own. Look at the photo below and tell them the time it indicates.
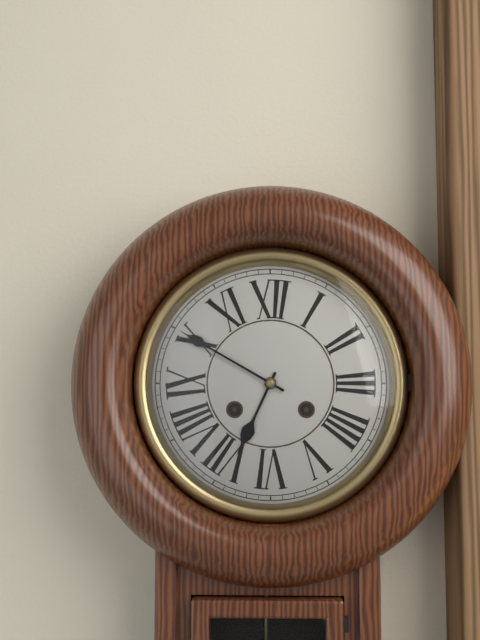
6:50
